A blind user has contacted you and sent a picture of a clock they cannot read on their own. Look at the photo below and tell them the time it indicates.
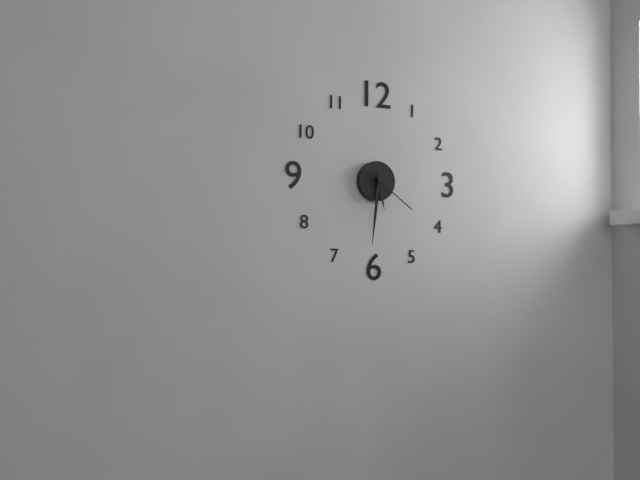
5:31:21
